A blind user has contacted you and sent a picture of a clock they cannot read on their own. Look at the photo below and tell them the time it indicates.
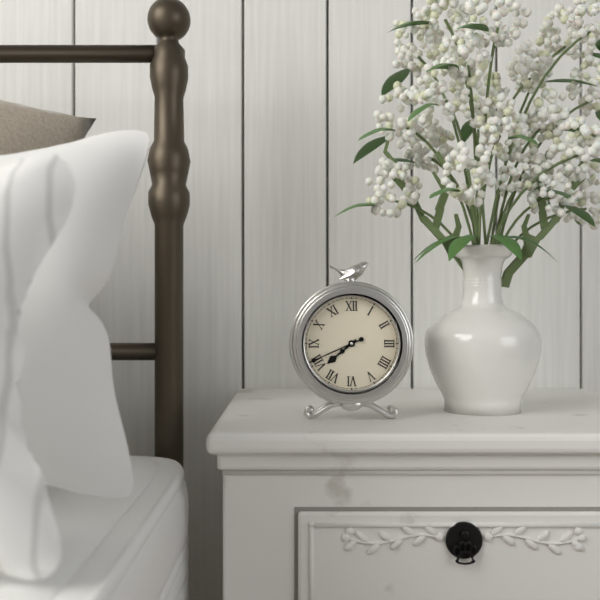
7:41
